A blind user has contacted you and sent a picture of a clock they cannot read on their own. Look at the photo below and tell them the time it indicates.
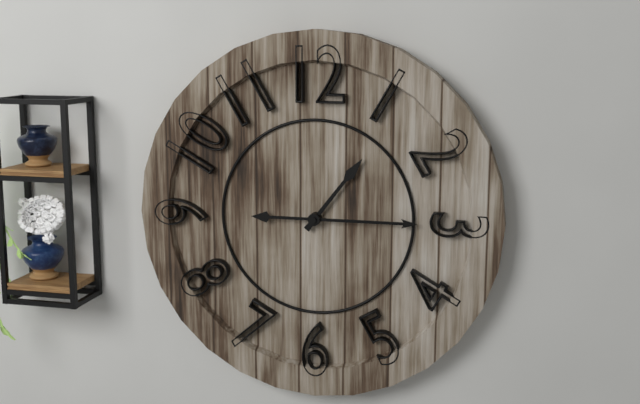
1:15
